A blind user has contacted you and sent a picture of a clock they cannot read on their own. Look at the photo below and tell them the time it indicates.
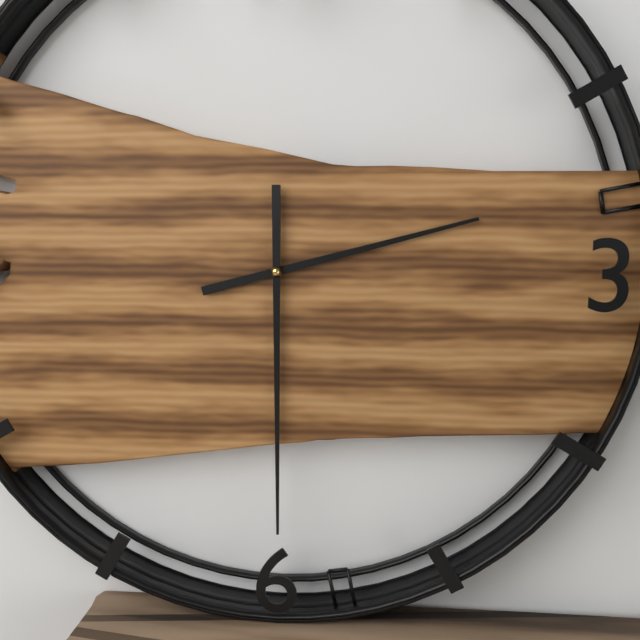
2:30
